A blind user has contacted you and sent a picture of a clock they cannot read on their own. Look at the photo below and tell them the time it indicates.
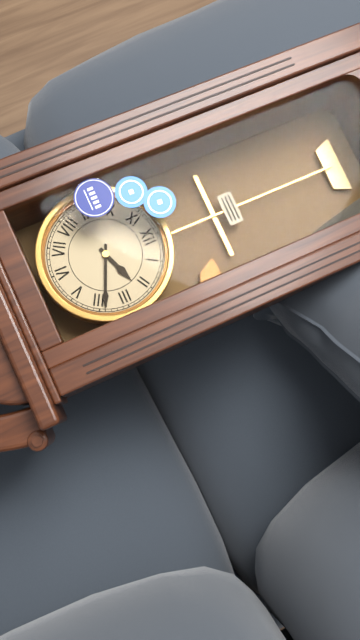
2:19
